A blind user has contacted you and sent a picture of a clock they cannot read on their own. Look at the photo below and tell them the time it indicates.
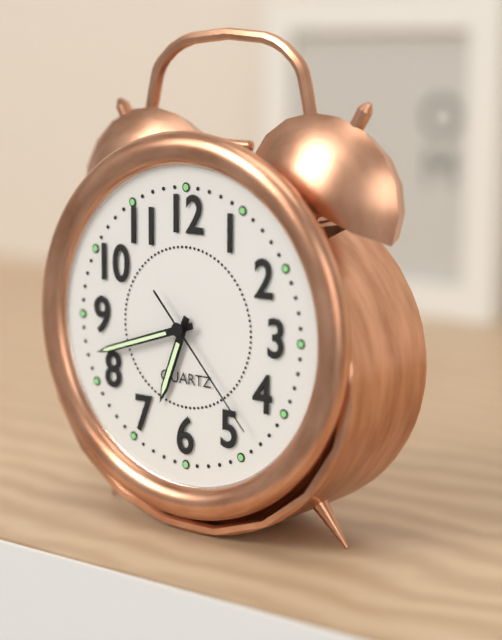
6:42:23
